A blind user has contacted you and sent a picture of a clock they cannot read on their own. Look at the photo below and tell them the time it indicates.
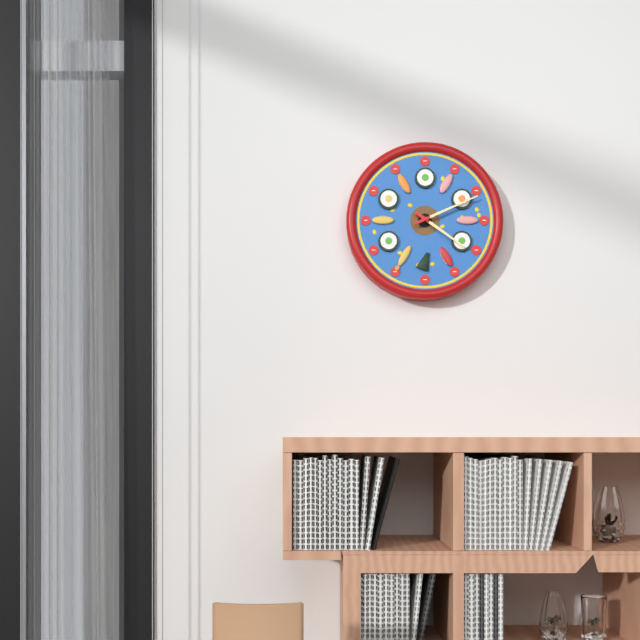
4:11
